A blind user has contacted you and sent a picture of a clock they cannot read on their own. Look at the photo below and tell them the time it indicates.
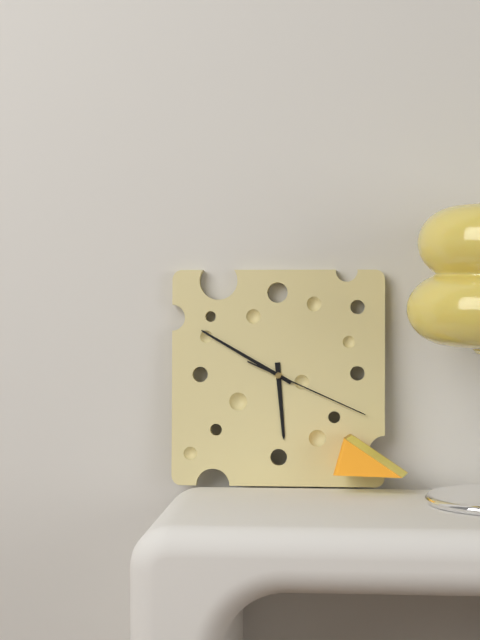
5:50:19
